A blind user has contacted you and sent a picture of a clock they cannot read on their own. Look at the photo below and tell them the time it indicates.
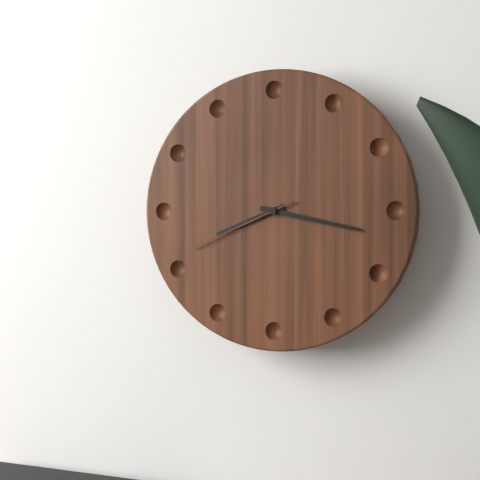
8:17:41
